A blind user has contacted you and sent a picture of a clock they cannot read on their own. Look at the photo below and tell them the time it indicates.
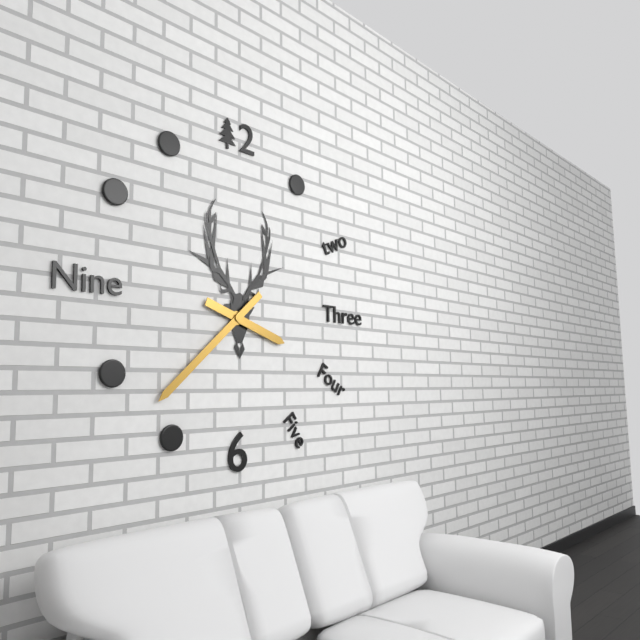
3:38
